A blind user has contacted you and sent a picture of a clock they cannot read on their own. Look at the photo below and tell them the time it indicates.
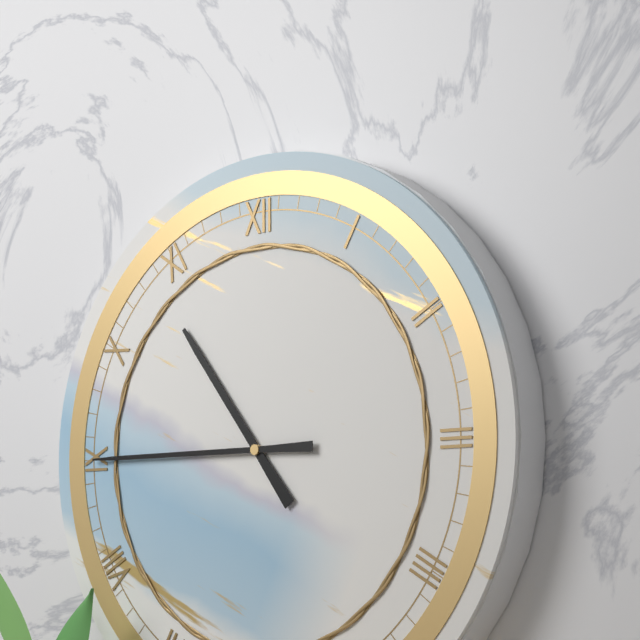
10:45
